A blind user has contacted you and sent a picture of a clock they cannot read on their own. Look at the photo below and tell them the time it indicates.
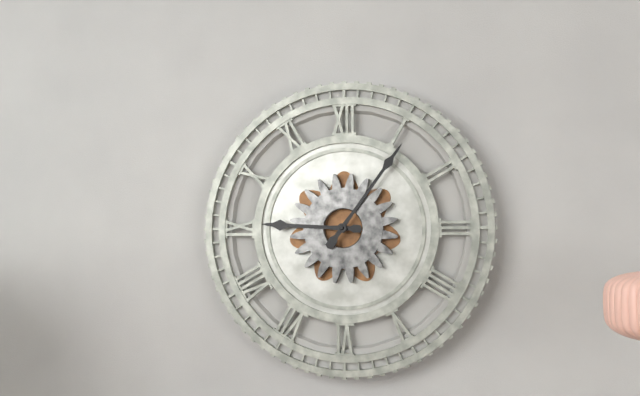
9:06
